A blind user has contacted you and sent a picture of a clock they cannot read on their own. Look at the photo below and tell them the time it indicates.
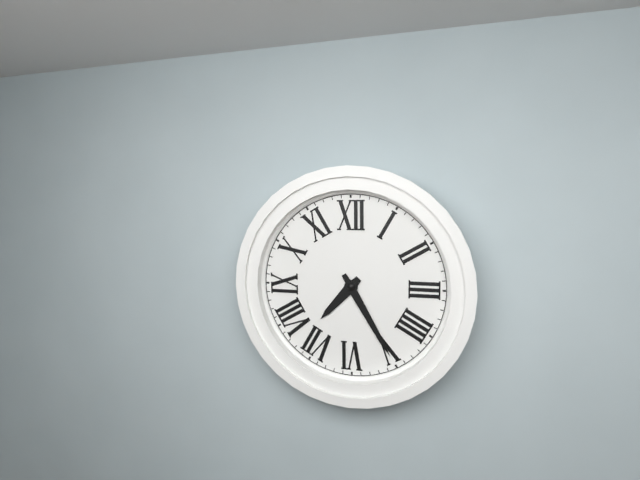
7:25
